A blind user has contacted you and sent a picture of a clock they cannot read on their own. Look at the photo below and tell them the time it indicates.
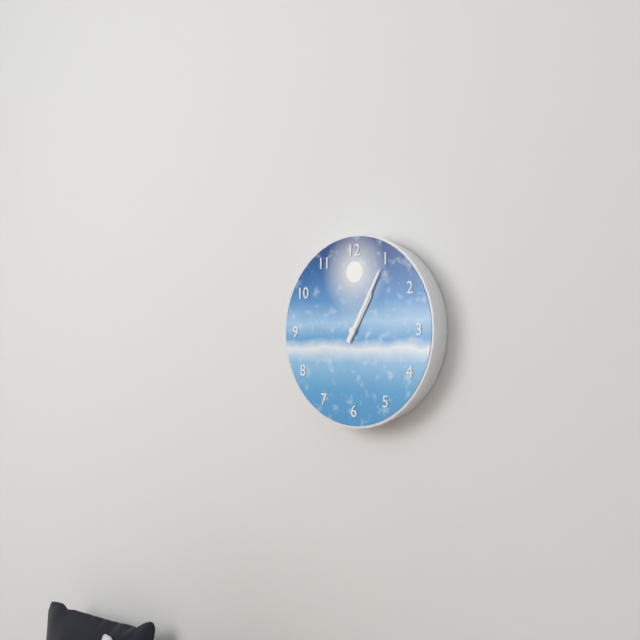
1:05
